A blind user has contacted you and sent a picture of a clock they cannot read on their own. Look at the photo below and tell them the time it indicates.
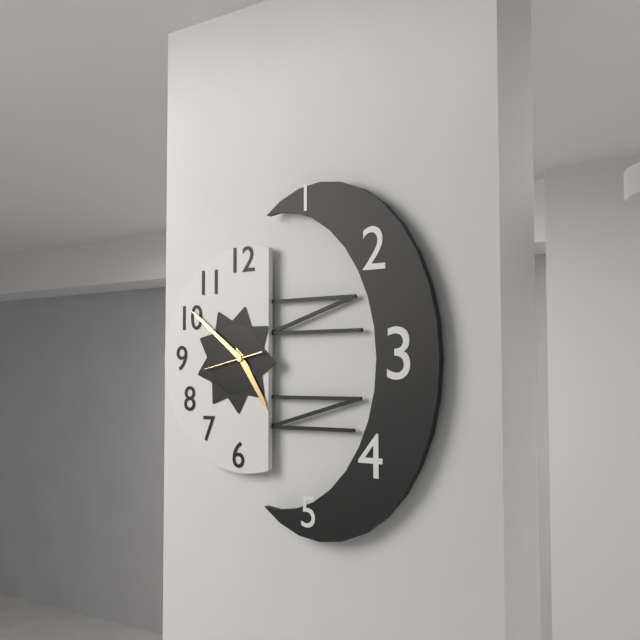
4:51:43
